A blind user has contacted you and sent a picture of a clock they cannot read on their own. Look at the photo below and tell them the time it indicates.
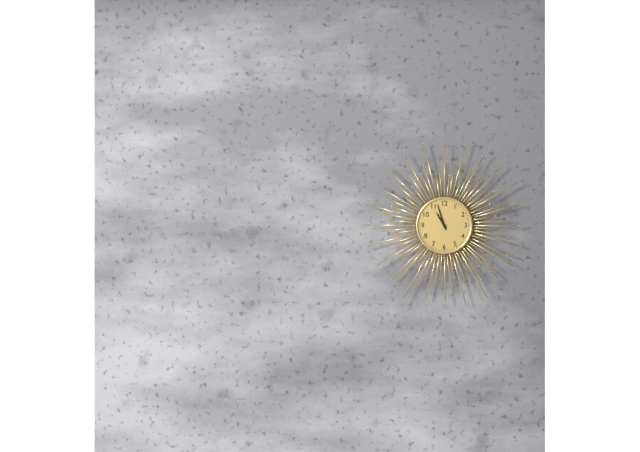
10:57
